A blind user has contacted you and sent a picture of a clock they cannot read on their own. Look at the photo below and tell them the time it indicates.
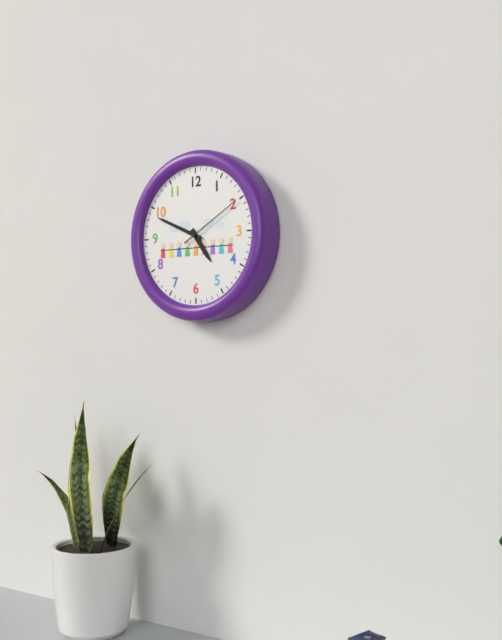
4:49:10
